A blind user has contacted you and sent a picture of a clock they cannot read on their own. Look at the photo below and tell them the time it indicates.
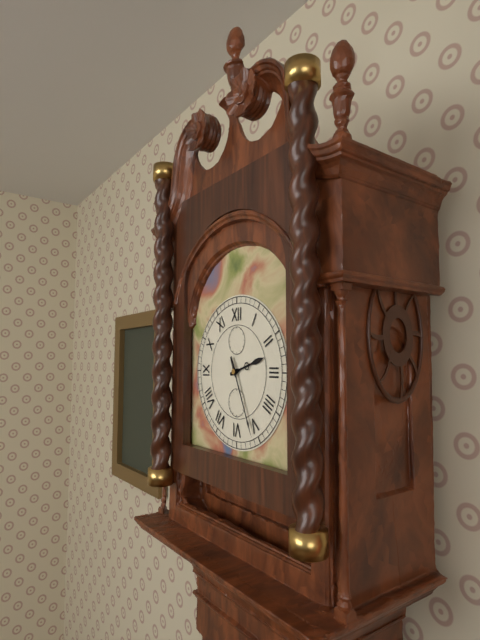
2:26
